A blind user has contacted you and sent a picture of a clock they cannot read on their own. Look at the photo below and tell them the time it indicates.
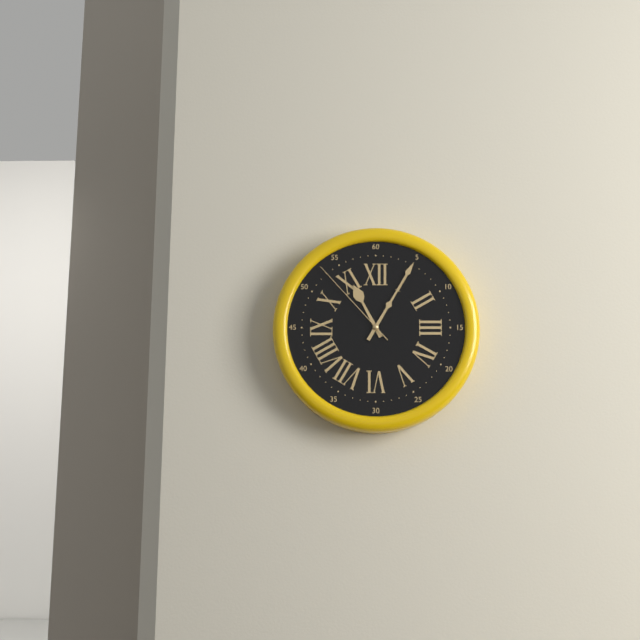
11:05:53
